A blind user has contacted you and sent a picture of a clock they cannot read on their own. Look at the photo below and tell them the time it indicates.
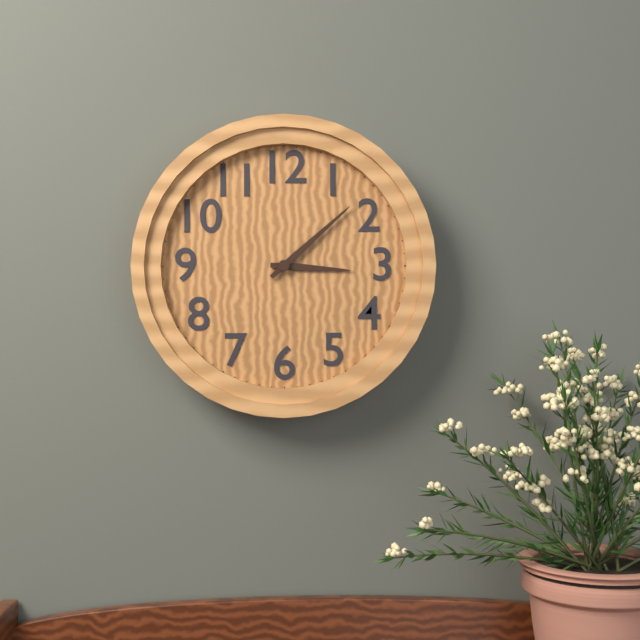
3:08
